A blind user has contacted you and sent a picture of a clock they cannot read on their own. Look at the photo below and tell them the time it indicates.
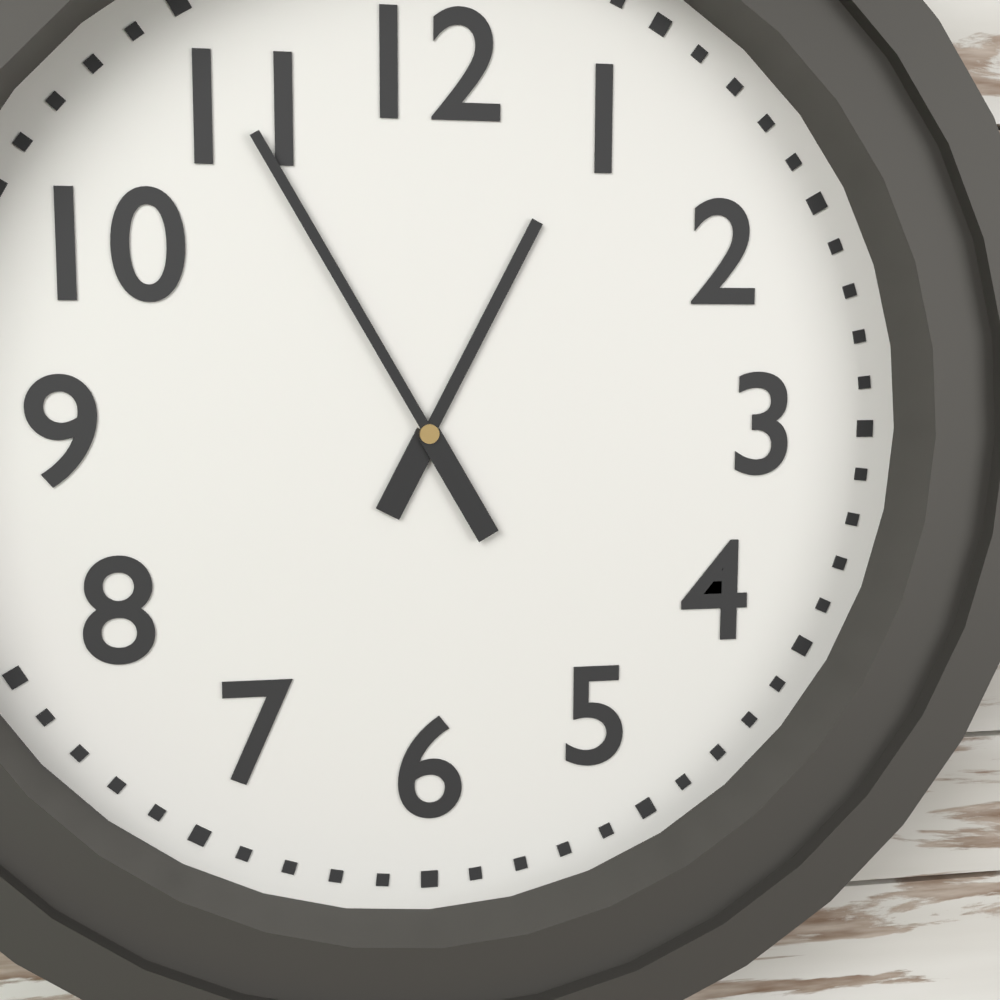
12:55
